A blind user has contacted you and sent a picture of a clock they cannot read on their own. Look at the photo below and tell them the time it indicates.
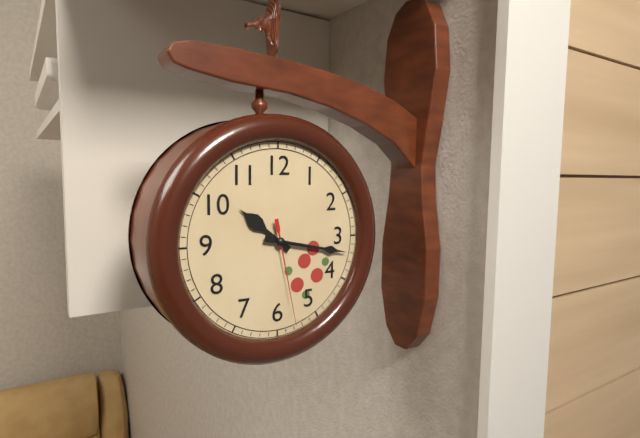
10:17:28
